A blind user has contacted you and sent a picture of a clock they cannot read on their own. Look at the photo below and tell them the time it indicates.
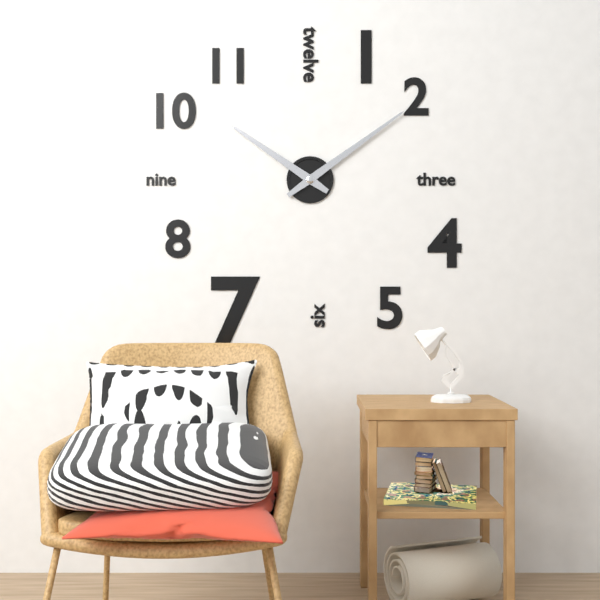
10:09
